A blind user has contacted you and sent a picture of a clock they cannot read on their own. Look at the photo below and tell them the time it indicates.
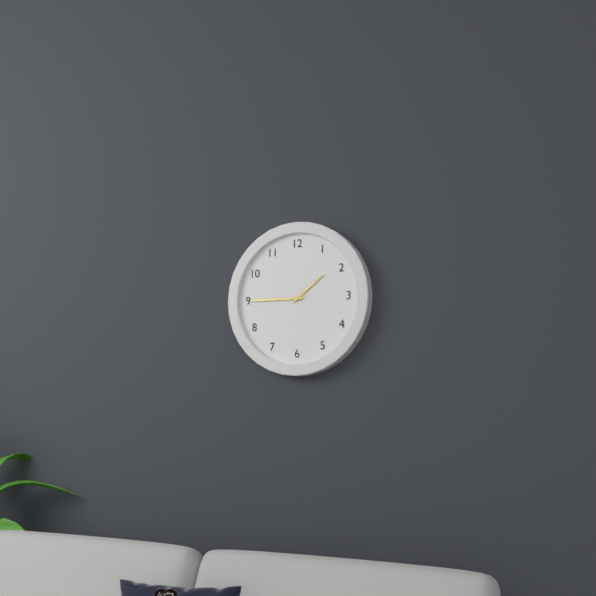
1:45
